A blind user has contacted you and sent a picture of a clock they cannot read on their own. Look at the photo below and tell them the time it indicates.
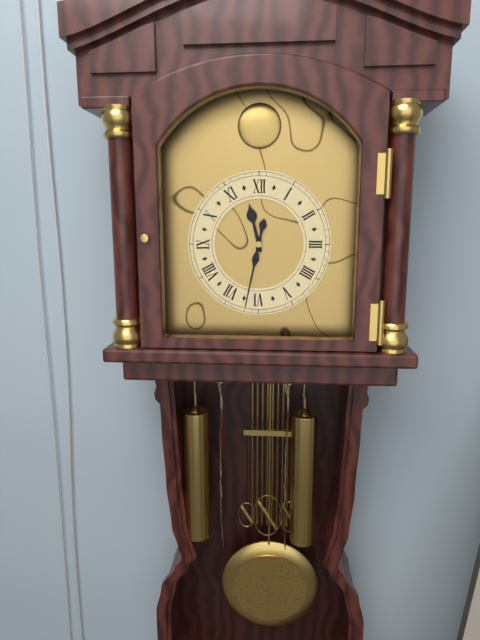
11:32
